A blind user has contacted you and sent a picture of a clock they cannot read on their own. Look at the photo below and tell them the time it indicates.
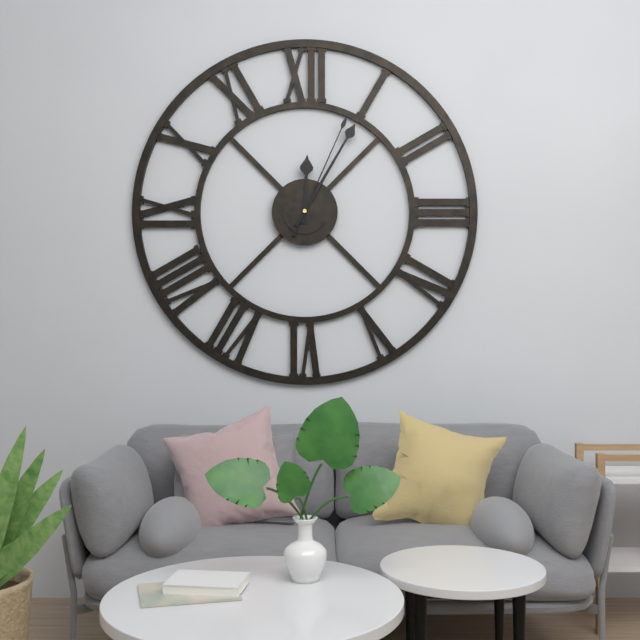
12:05:04
